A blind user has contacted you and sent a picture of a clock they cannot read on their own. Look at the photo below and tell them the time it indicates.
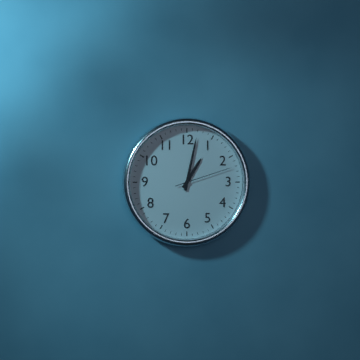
1:02:12
